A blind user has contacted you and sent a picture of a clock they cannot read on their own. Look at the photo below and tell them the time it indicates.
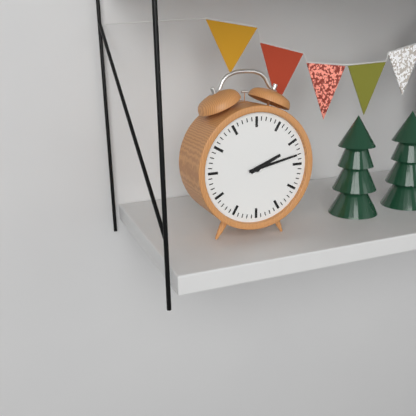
2:13
